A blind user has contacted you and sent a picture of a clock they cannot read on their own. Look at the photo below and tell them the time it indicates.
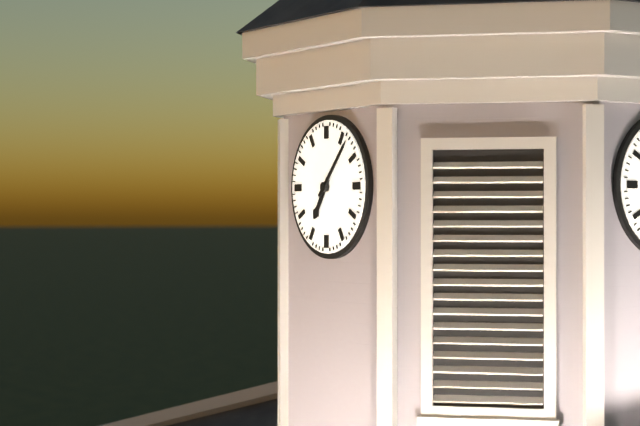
7:07
